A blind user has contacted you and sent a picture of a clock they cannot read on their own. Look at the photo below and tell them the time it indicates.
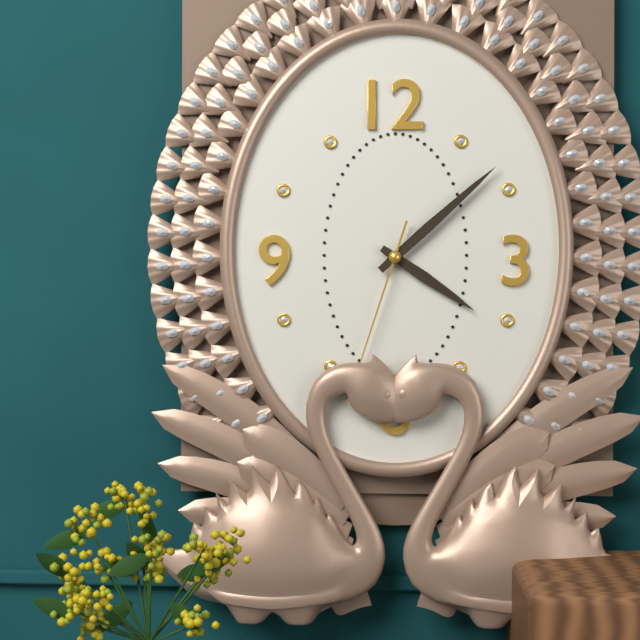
4:08:33
